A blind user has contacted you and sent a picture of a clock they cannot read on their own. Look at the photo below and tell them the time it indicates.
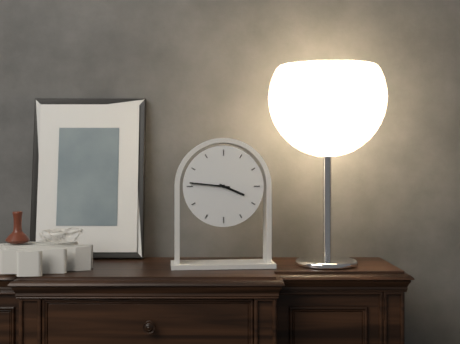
3:46
